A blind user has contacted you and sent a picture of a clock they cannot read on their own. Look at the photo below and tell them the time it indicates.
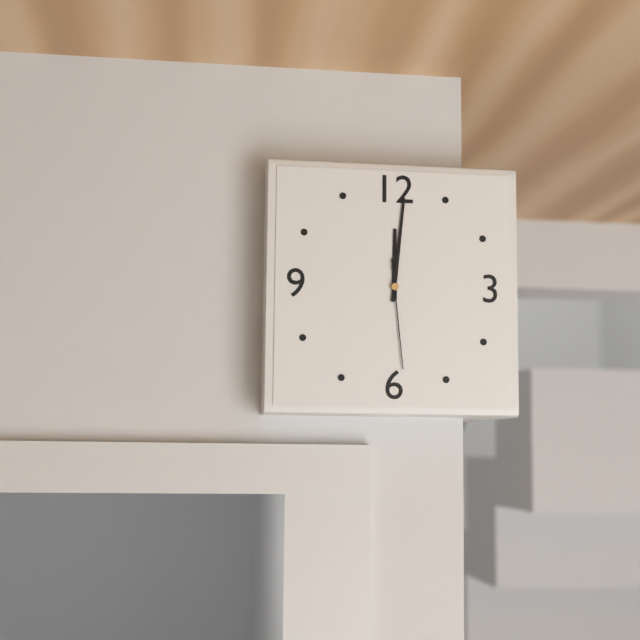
12:01:29
